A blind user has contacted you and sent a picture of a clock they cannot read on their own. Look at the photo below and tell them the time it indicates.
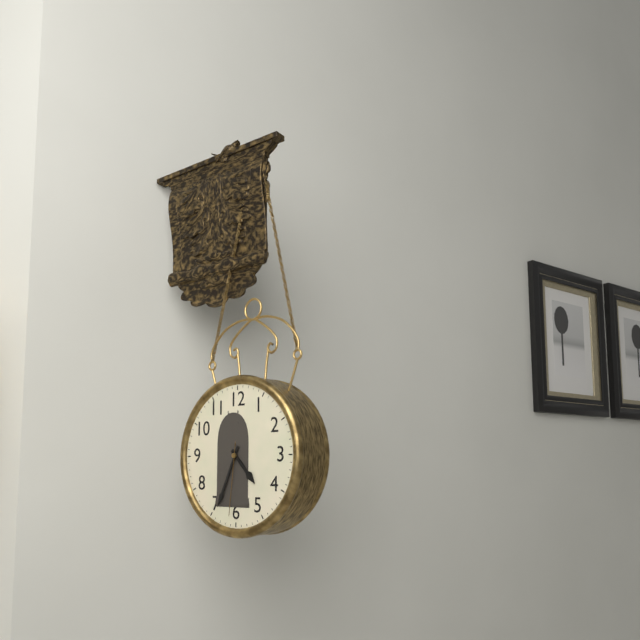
4:34:31
